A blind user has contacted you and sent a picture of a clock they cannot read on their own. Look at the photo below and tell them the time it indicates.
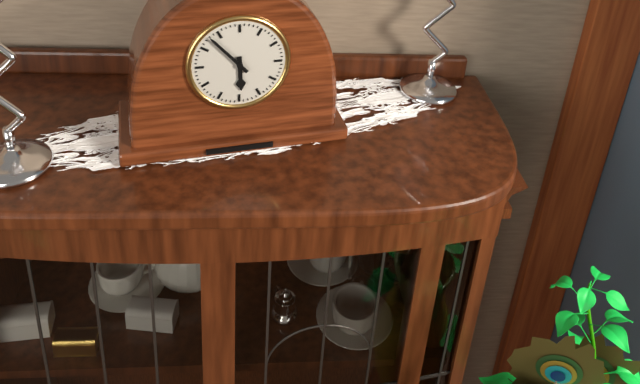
5:53
